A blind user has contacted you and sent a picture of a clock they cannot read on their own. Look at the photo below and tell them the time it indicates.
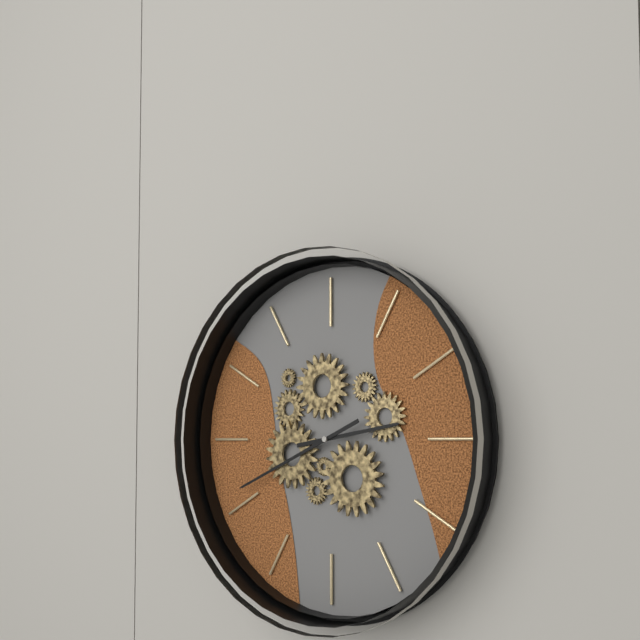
2:41
